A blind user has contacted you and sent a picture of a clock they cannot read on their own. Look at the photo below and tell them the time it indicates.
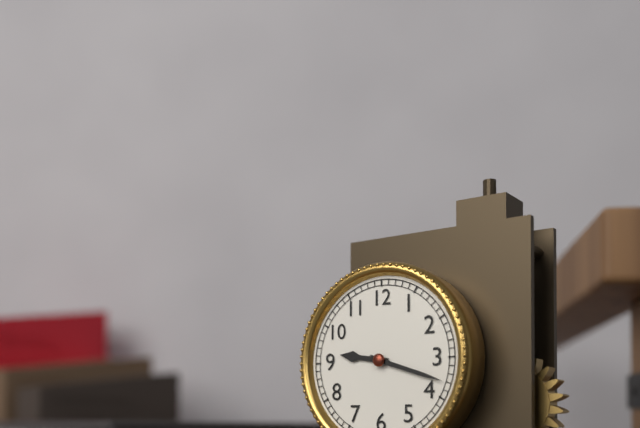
9:18
